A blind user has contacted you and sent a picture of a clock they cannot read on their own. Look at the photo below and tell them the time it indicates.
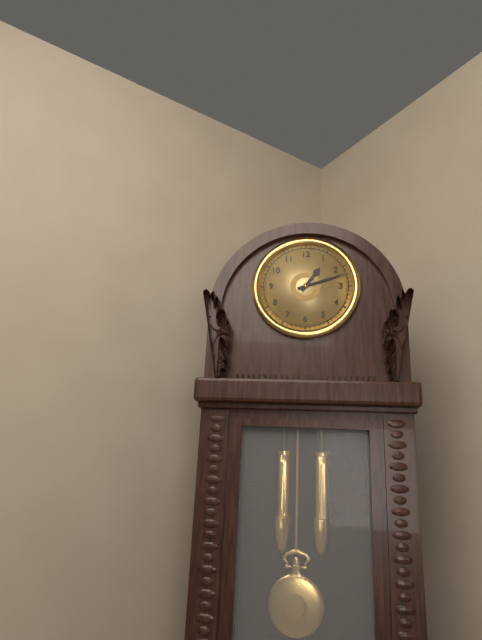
1:12
